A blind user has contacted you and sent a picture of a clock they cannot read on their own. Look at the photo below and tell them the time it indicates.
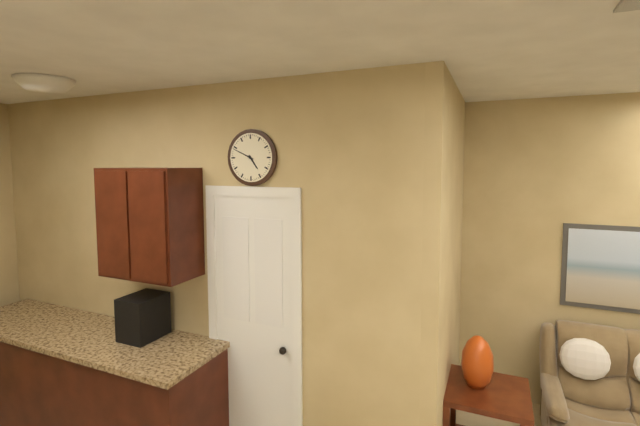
4:49
